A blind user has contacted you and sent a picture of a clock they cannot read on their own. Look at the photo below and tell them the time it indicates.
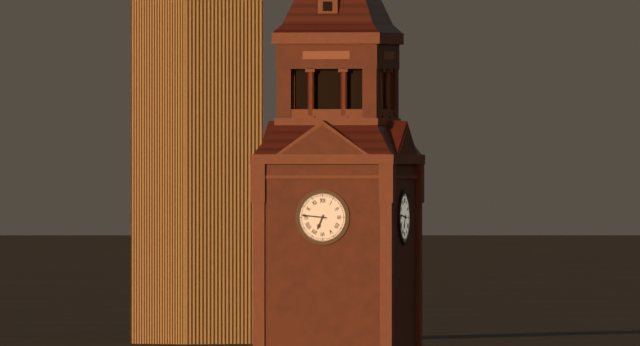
6:46
